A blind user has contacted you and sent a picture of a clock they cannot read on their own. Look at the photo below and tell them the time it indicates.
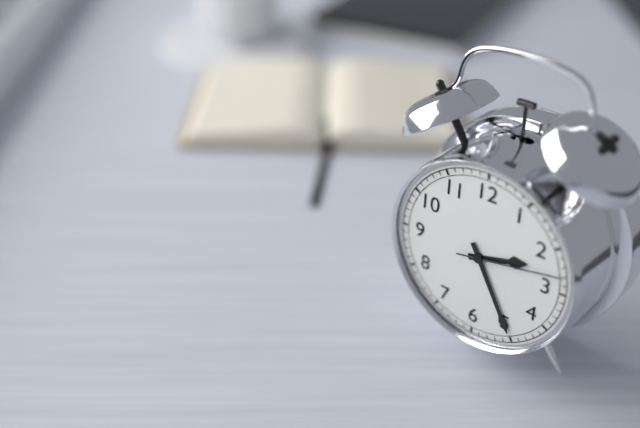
2:25:13
